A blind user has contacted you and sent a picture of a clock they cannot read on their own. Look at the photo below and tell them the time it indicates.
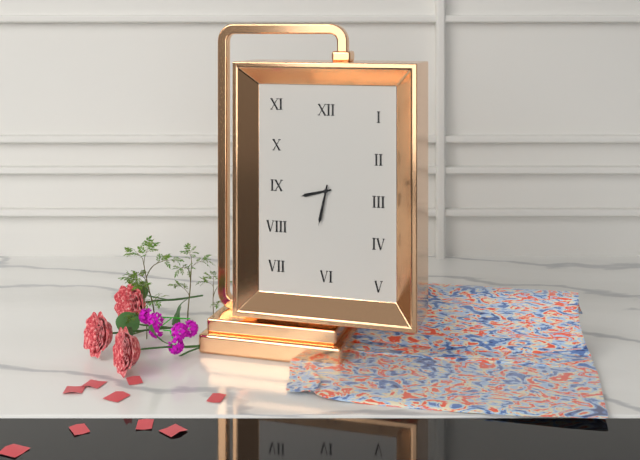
8:32
